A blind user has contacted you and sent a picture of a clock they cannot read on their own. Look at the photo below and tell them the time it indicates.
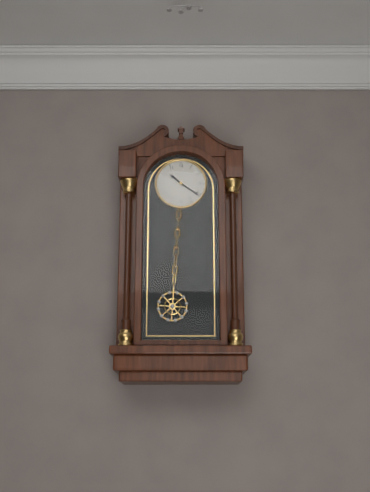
10:21
